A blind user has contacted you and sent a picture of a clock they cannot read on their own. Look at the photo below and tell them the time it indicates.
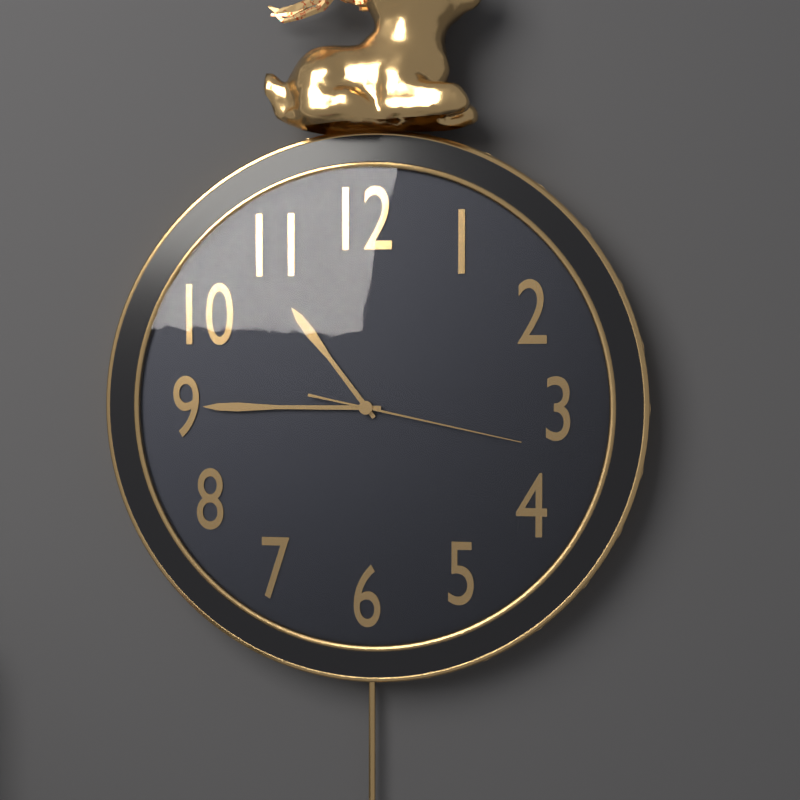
10:45:17
